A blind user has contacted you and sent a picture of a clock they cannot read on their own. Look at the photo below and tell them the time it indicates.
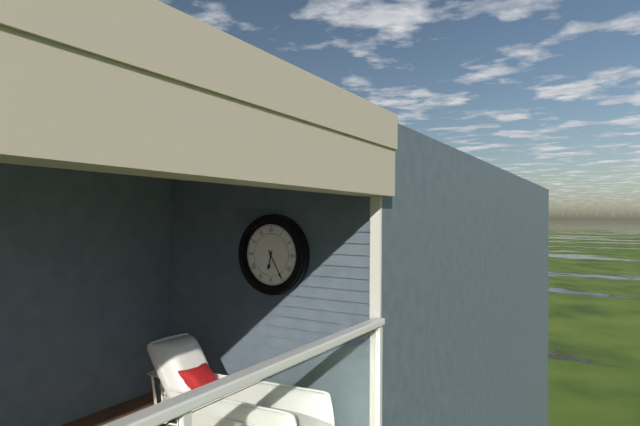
6:25
